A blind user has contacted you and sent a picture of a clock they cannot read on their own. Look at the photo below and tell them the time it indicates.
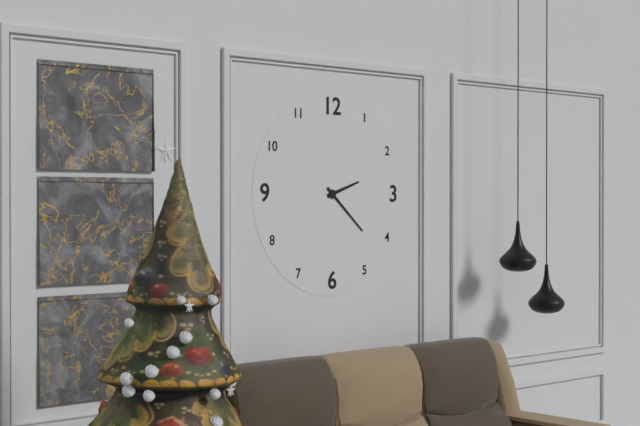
2:22
